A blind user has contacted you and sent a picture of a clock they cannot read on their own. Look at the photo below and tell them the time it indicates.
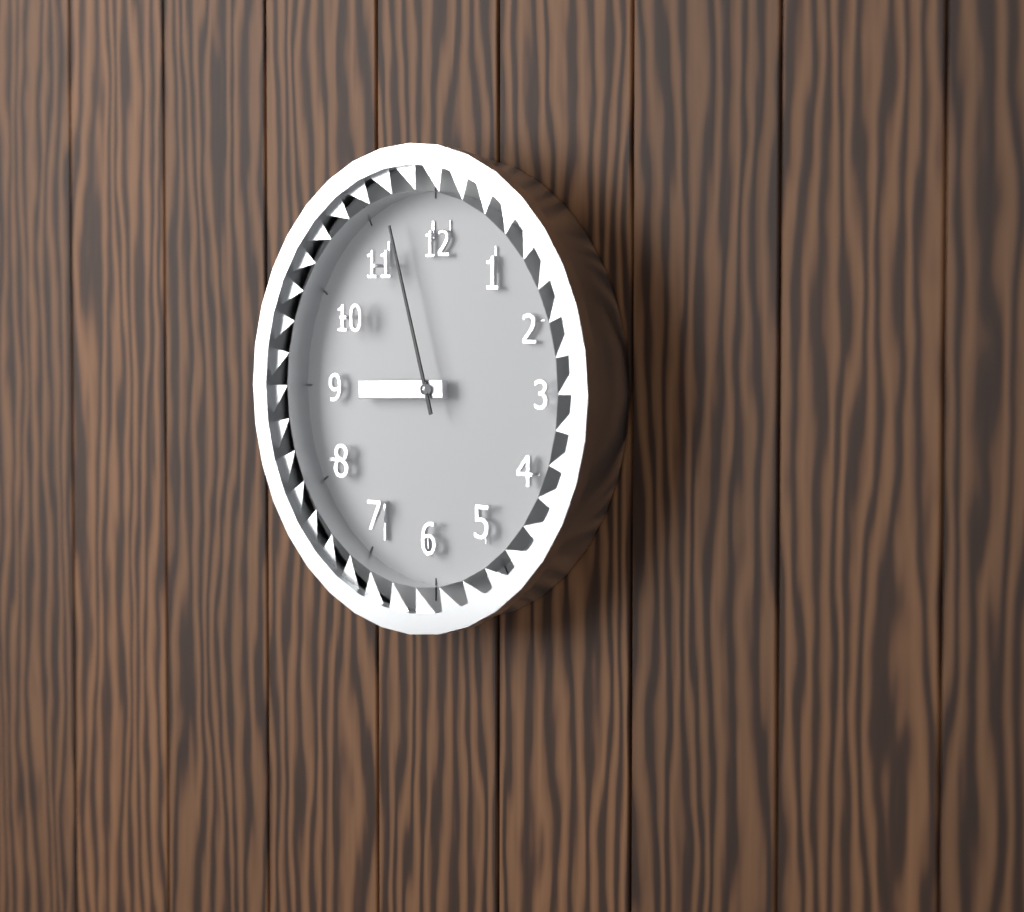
8:57
